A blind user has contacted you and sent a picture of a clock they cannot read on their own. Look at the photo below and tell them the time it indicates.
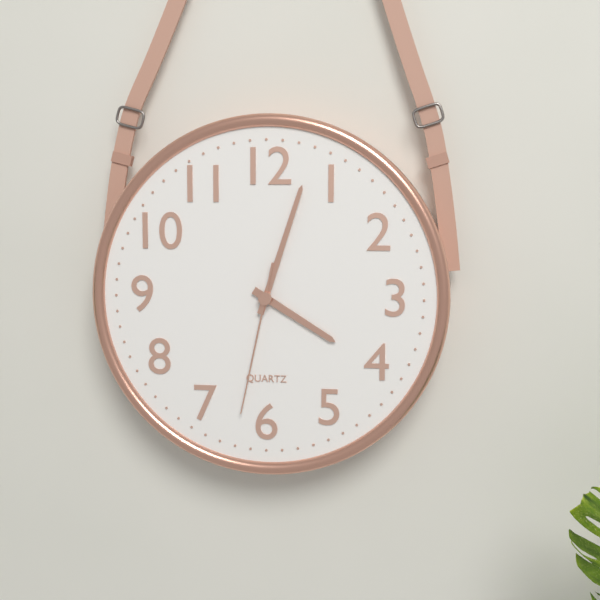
4:03:32
